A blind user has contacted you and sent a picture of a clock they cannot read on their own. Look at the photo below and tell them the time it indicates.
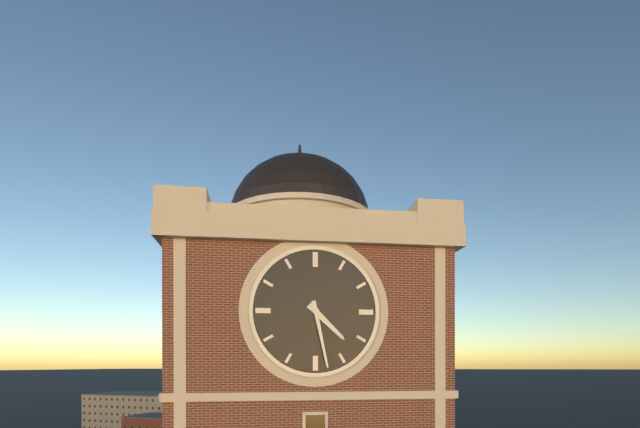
4:28
